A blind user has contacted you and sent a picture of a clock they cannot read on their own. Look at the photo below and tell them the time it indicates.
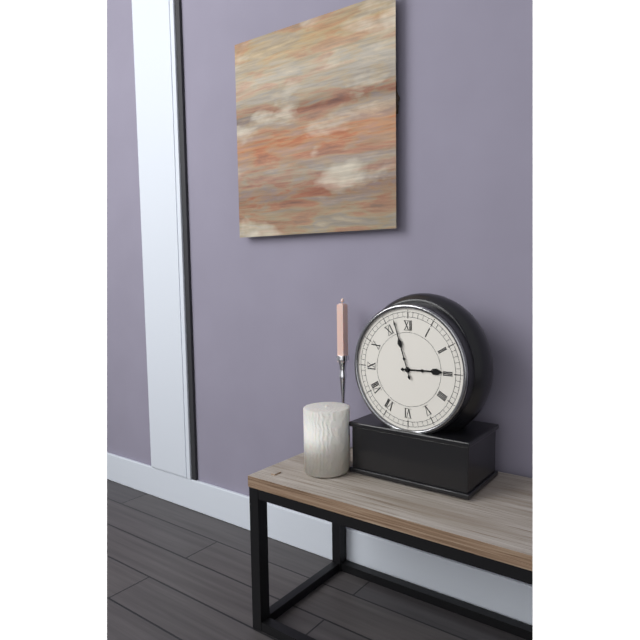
2:57
